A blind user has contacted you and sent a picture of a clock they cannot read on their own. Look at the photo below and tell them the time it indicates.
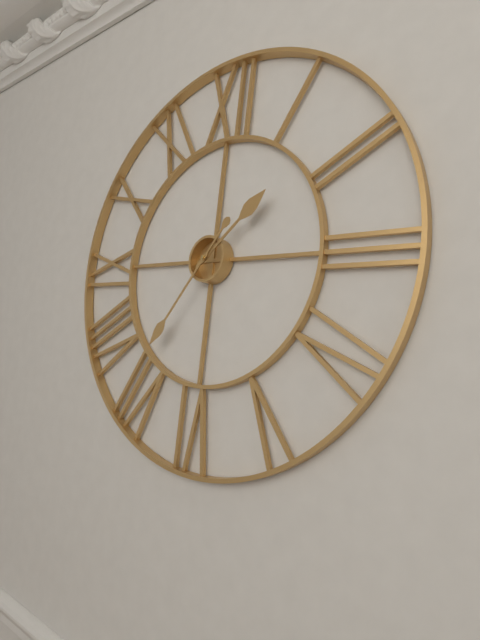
1:36
